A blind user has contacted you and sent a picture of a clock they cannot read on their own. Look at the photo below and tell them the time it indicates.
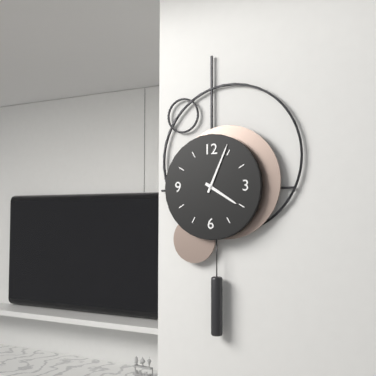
4:04
